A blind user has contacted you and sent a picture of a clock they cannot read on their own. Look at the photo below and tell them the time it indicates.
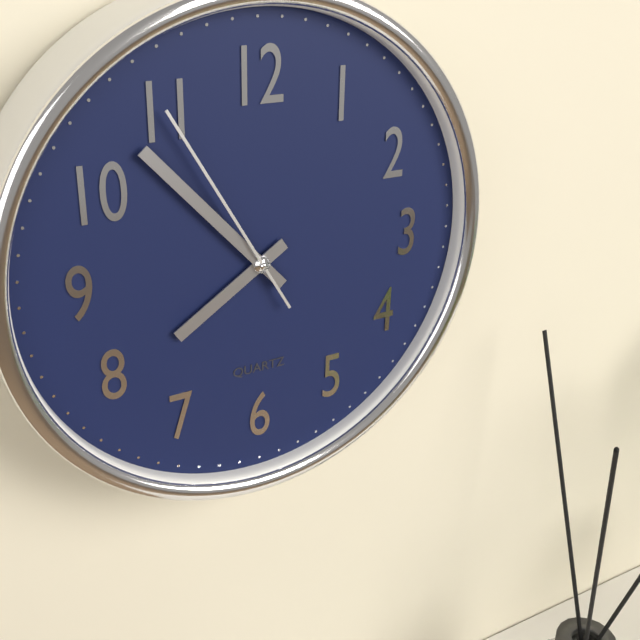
7:53:55
